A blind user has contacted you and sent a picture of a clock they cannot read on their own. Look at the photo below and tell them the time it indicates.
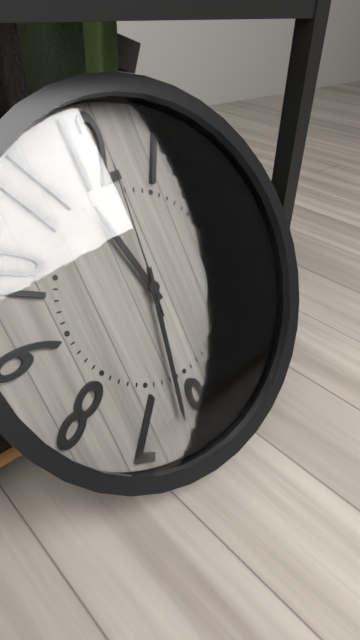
11:32:01
